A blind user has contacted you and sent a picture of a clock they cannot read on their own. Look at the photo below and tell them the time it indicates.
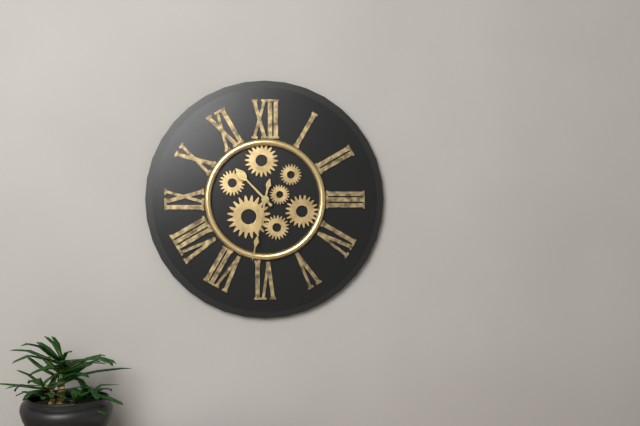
10:32
